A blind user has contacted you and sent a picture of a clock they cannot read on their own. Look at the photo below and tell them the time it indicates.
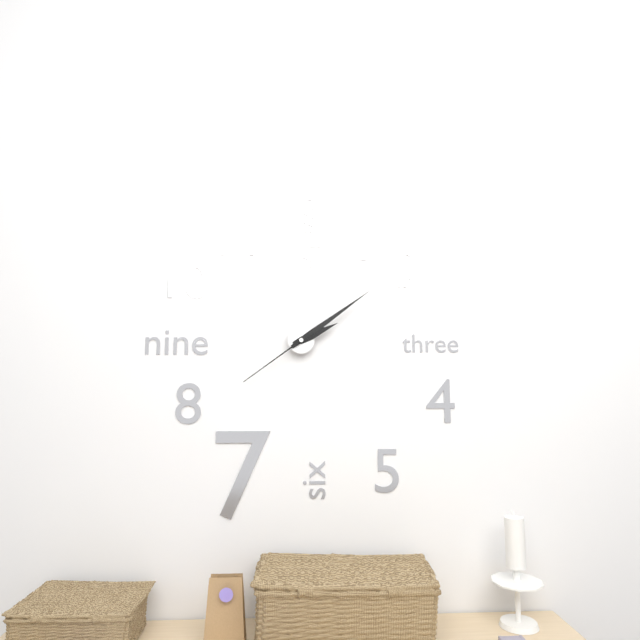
2:09:39
